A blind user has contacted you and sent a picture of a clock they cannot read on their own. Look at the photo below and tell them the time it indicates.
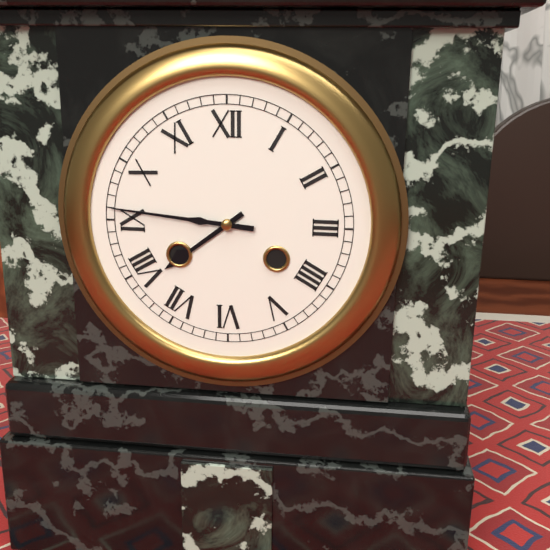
7:46
